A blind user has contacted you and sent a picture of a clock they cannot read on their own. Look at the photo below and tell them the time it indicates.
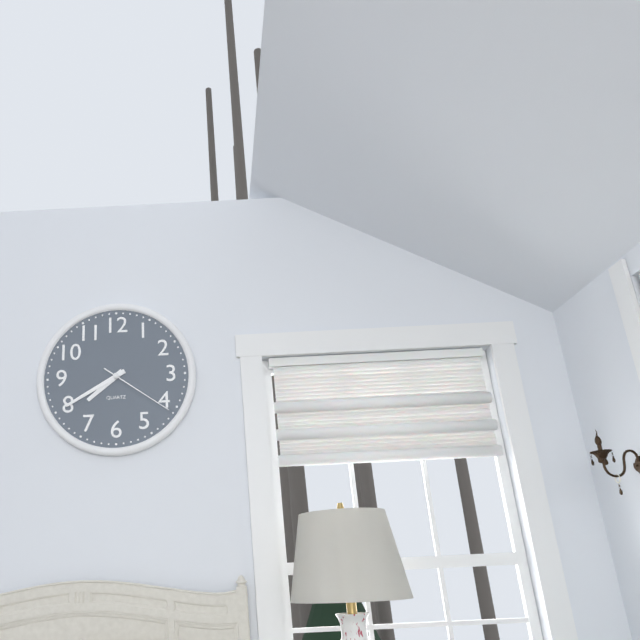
7:40:21
